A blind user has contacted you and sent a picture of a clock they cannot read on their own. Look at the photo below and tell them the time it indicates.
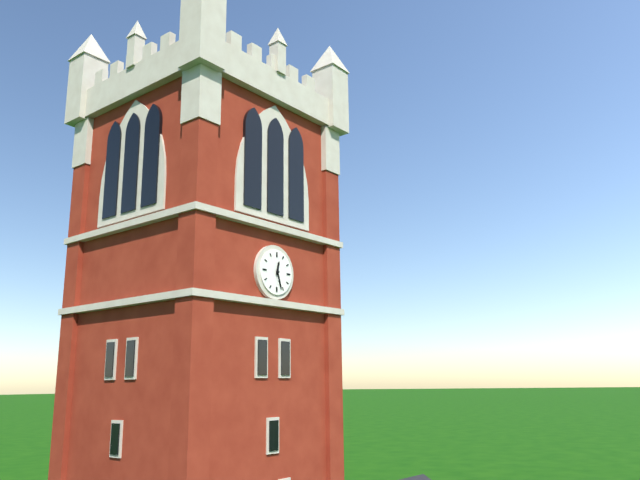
12:27
